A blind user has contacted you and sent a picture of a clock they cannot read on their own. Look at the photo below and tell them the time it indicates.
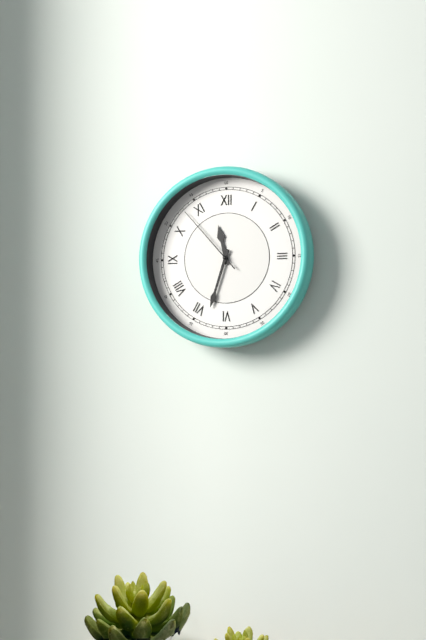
11:33:53
